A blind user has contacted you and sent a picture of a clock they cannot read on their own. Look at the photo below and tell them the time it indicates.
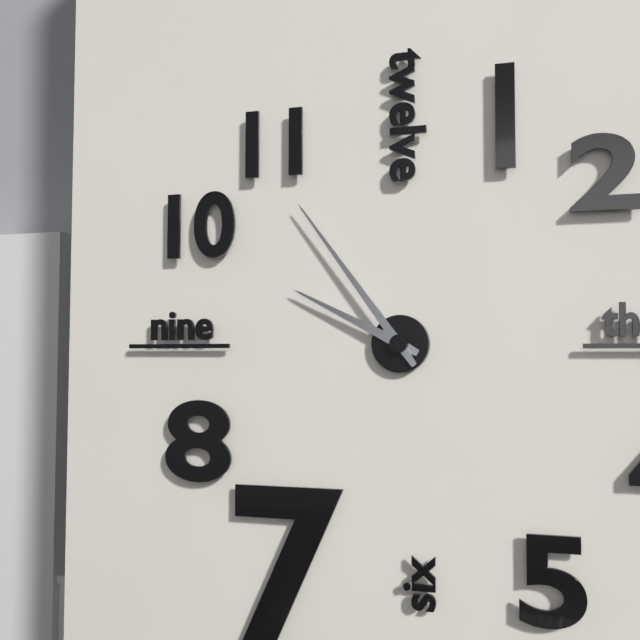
9:54
